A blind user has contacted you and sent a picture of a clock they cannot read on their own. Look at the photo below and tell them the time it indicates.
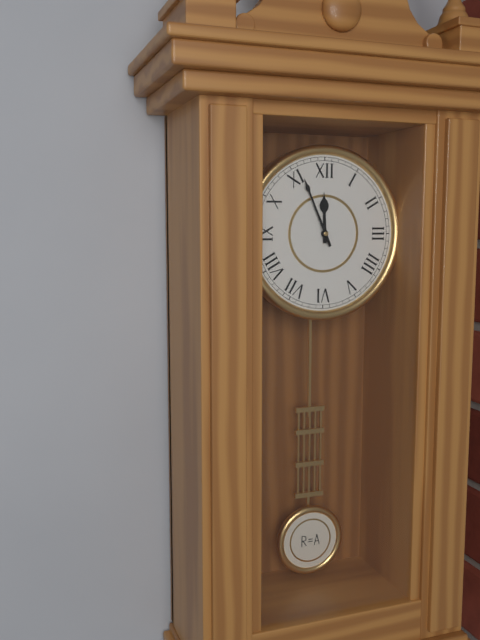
11:56
